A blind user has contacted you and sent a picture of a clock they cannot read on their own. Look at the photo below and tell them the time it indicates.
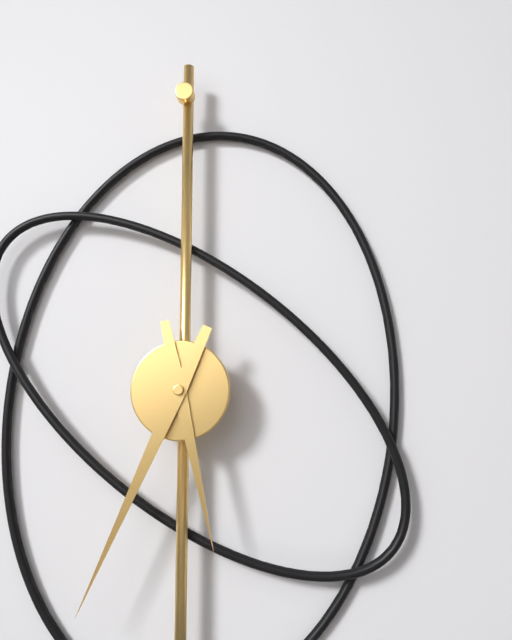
5:34
